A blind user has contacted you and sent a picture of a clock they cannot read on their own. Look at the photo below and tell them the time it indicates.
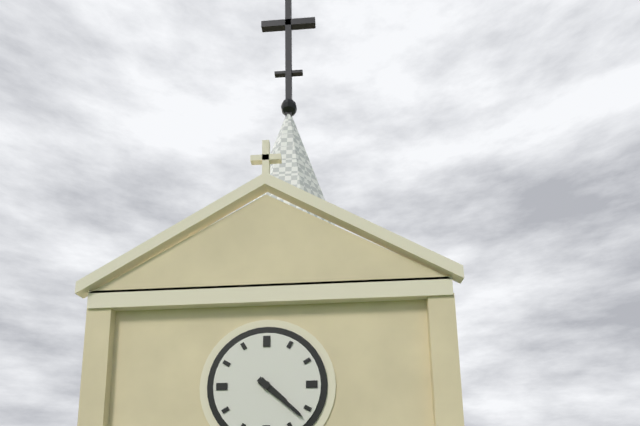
4:22
